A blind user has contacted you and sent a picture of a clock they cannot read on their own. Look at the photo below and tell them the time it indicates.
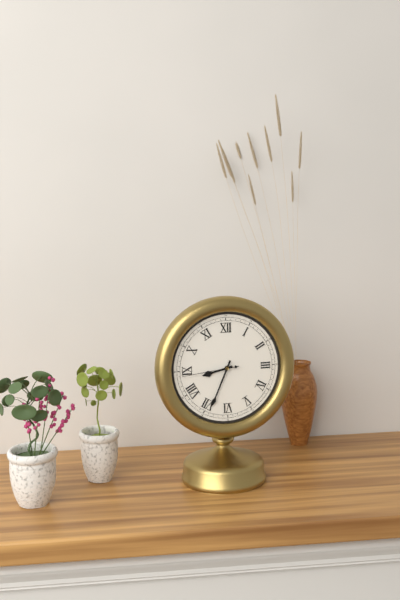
8:34:44
